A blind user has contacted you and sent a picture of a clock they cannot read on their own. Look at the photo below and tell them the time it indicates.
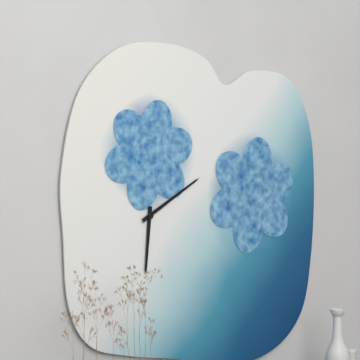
6:10
